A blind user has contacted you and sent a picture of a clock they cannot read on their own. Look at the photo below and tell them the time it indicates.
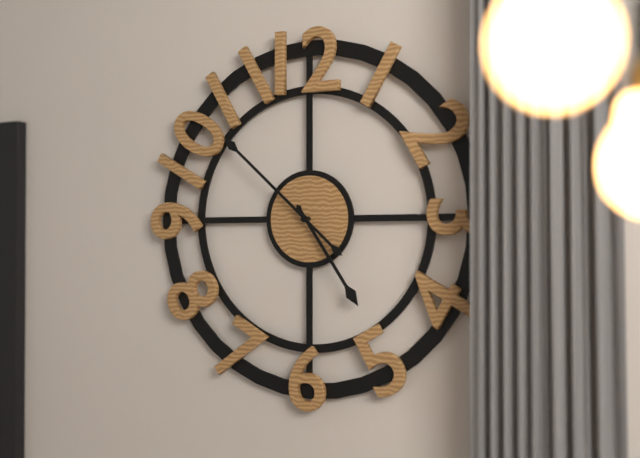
4:52
